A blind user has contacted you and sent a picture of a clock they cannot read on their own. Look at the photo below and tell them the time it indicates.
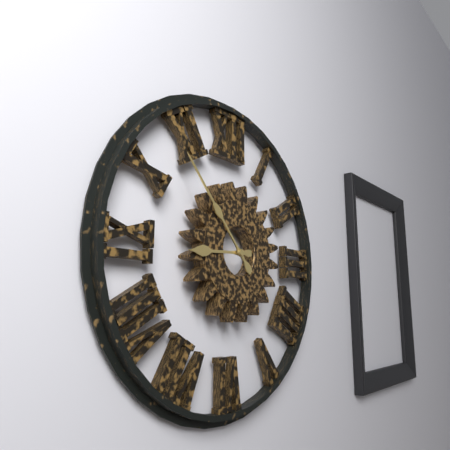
8:53
